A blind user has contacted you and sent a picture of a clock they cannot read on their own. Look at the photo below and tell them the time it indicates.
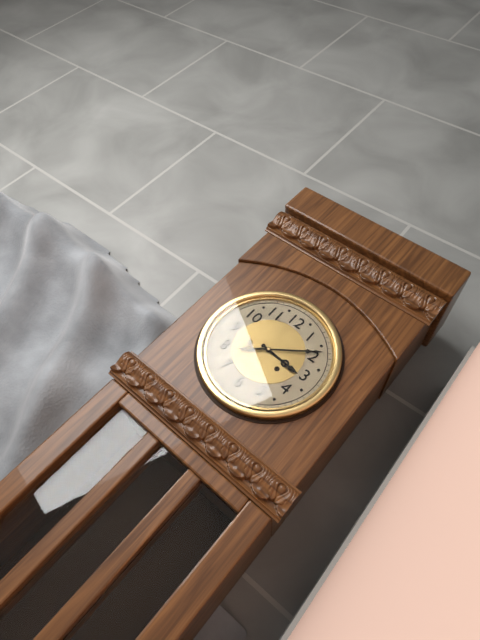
3:09
